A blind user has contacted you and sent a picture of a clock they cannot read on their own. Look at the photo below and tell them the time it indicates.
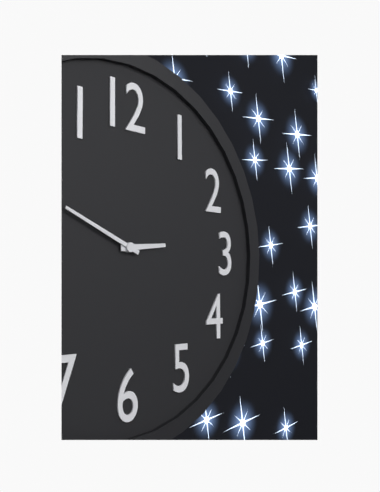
2:49
